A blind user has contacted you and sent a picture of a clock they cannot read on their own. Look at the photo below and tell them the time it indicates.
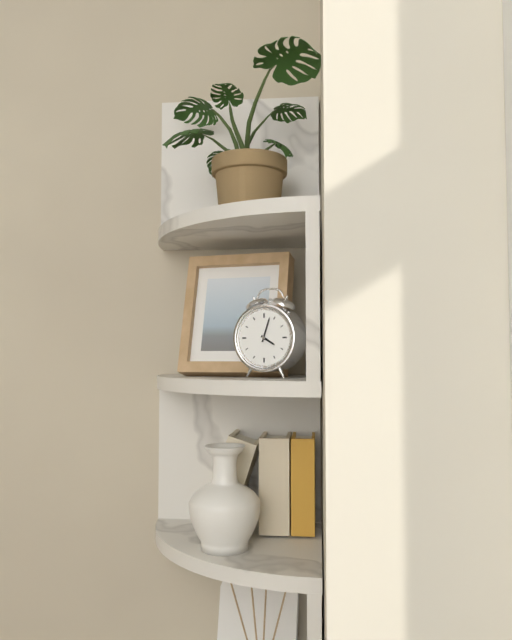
4:03
